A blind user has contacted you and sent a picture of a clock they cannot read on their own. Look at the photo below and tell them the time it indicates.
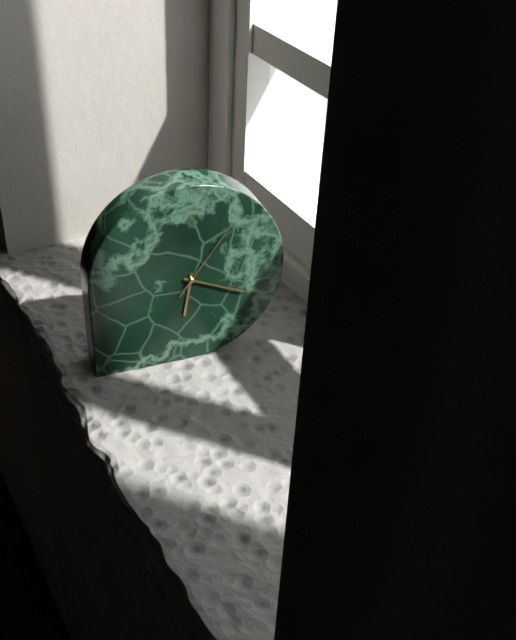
6:19:06
